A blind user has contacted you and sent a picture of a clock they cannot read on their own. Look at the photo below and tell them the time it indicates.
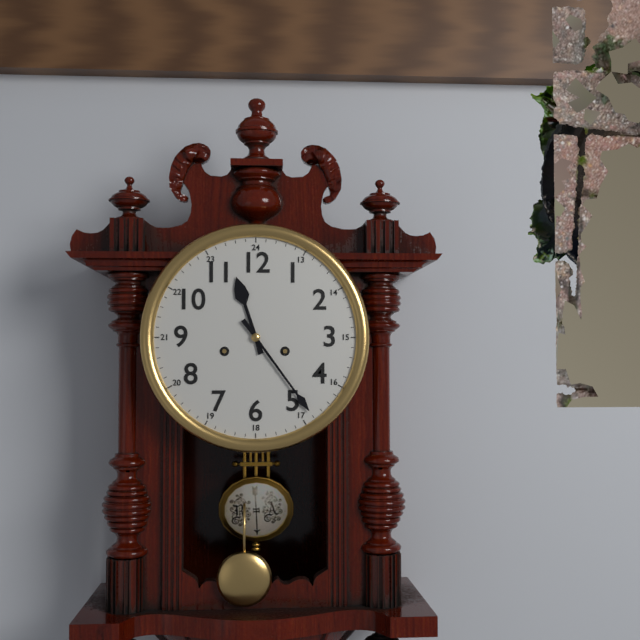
11:24
